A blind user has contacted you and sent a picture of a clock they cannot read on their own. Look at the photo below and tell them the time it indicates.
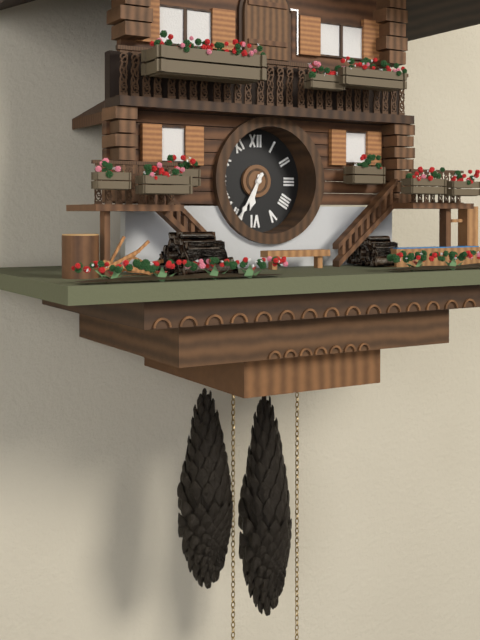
6:35
